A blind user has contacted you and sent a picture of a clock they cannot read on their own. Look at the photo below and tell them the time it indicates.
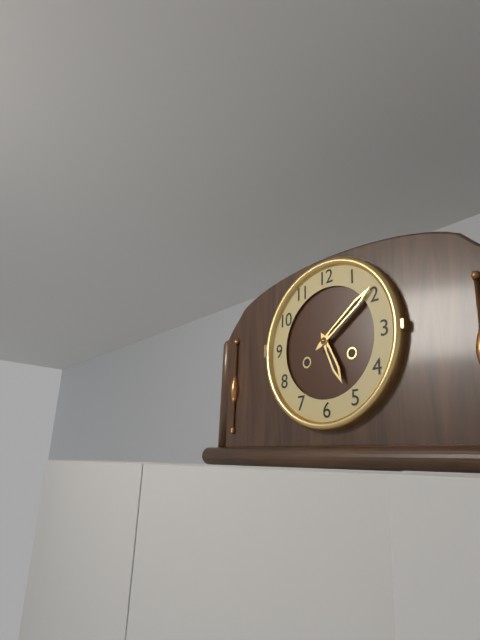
5:09
